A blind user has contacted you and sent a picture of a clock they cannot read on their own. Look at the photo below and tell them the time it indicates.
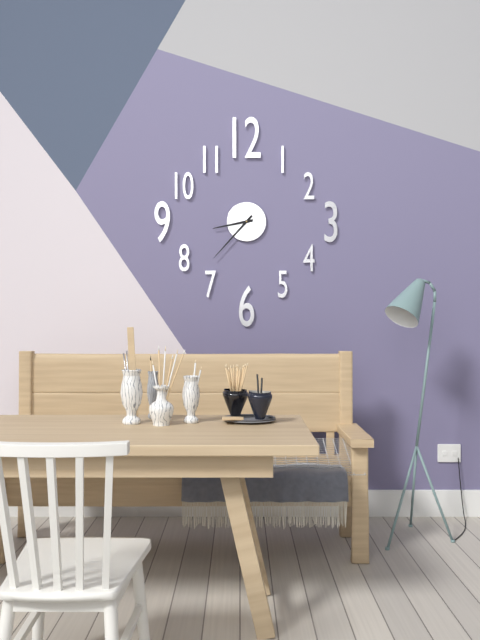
8:37
